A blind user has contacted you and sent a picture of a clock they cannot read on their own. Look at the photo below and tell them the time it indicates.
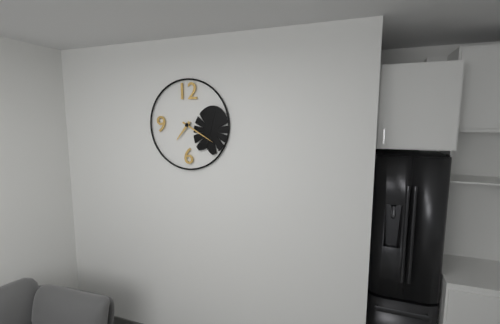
7:20
